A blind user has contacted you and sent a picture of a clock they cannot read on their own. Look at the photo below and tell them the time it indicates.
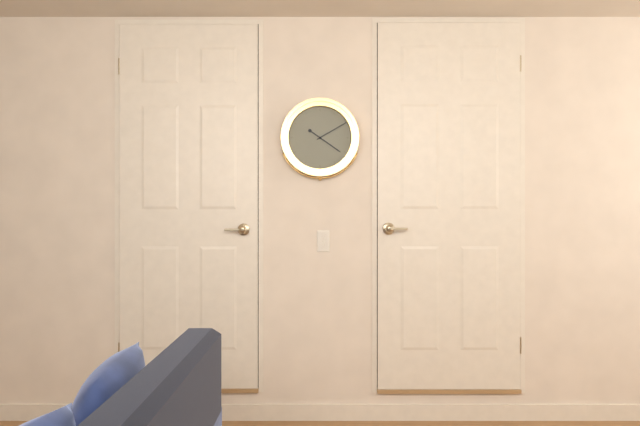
4:10
